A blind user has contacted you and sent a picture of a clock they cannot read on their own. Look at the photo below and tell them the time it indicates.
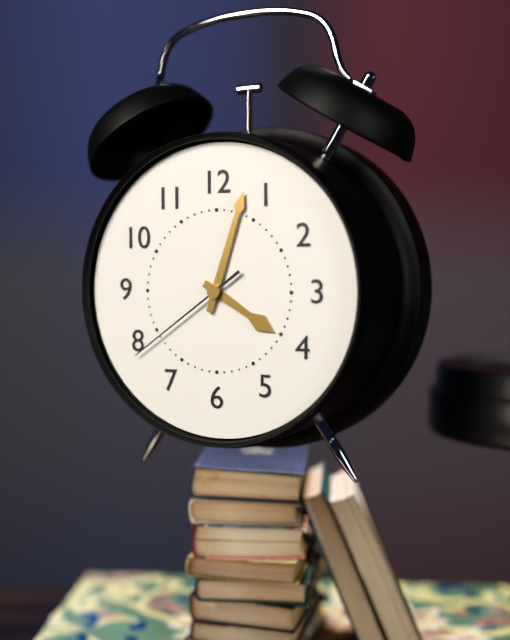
4:03:39
